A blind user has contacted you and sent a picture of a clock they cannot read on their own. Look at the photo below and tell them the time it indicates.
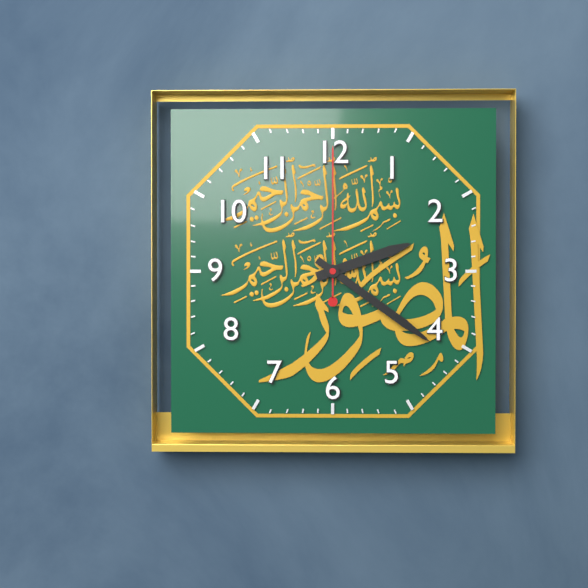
2:21:00
